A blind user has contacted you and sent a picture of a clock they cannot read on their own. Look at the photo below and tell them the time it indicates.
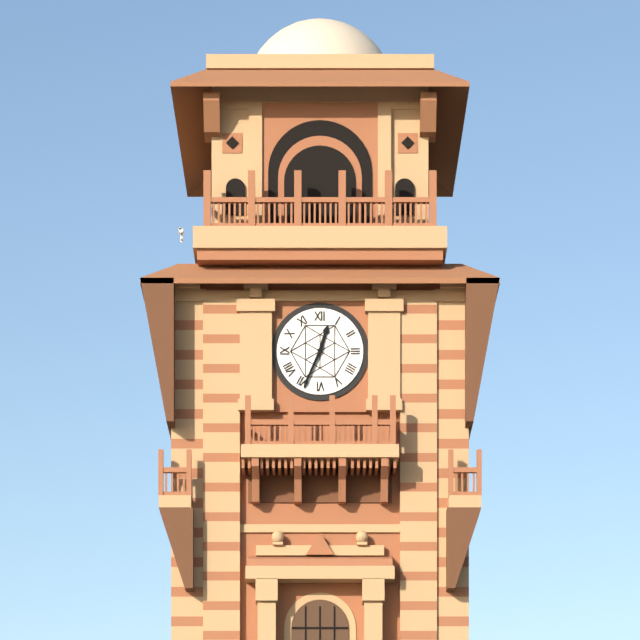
12:34
